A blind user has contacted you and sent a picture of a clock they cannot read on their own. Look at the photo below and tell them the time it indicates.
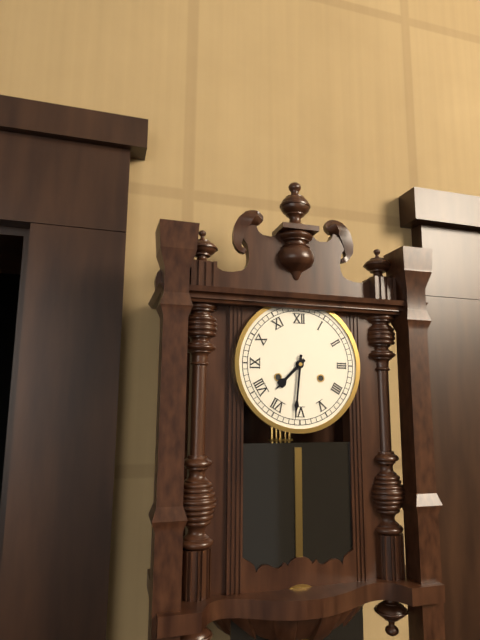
7:31
